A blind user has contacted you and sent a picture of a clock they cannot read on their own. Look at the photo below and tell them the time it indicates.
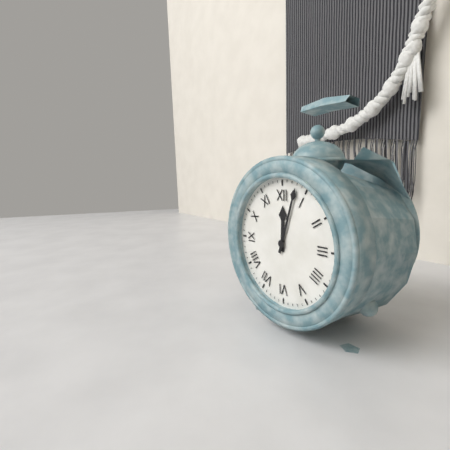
12:03
